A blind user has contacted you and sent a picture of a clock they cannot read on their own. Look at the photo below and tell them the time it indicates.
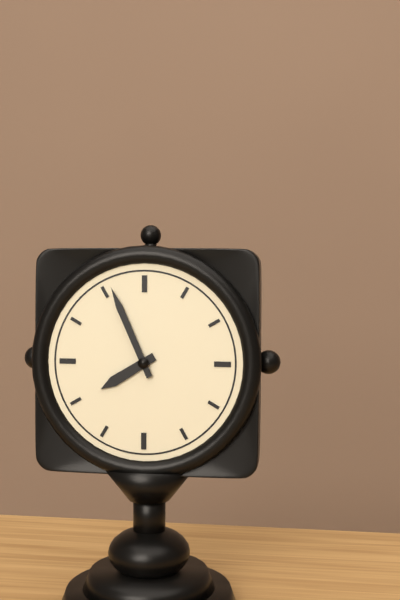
7:56
